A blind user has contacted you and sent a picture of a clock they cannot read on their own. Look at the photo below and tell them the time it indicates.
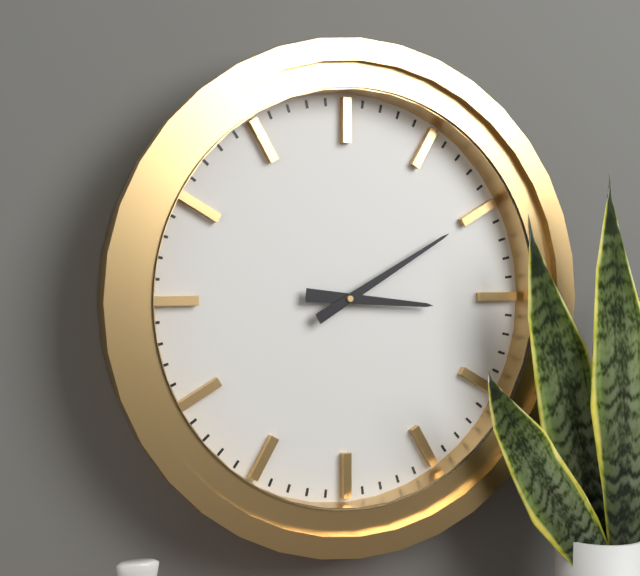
3:10
